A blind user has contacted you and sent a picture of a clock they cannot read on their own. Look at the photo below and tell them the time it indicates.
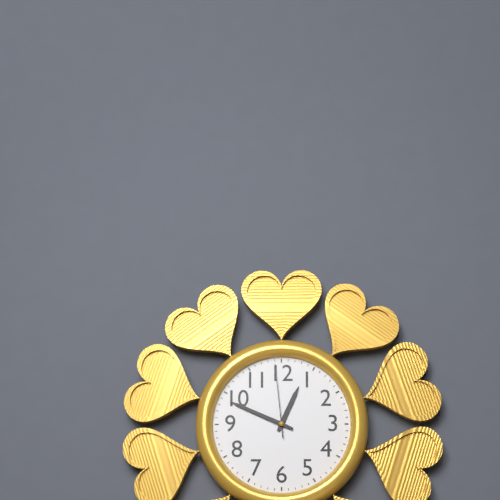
12:49:59
